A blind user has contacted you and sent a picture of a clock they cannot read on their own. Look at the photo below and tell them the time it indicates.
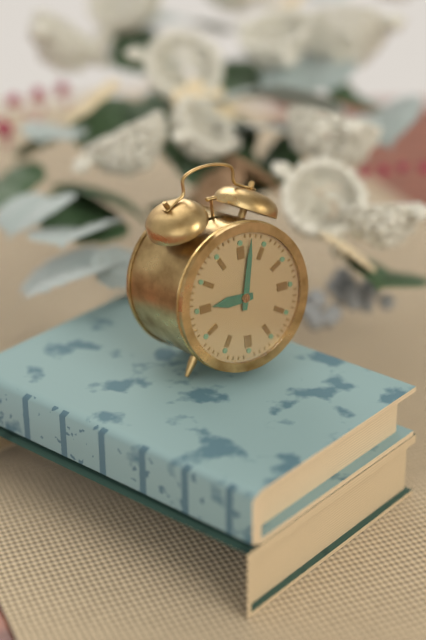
9:02
